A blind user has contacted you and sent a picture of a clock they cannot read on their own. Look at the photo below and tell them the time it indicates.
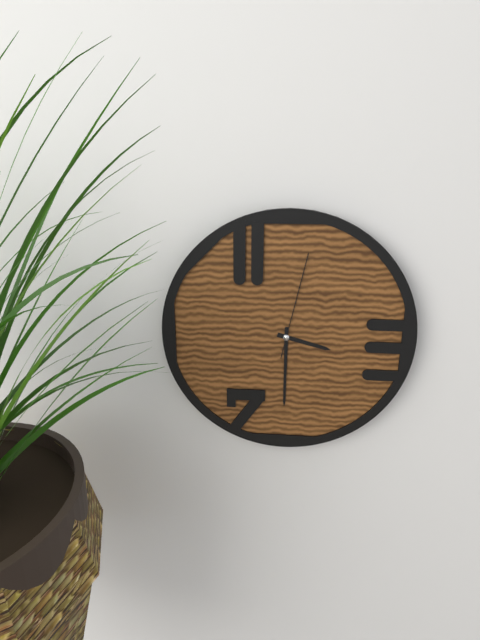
3:30:02
